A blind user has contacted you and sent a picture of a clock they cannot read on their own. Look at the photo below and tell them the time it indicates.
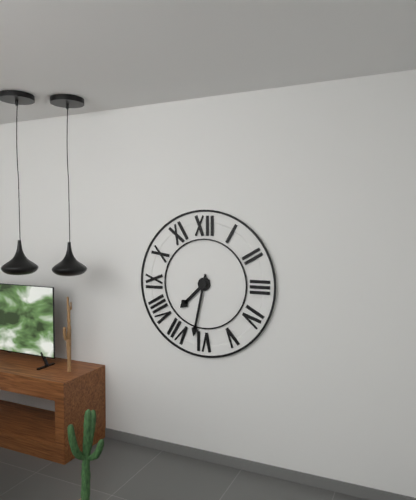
7:32
